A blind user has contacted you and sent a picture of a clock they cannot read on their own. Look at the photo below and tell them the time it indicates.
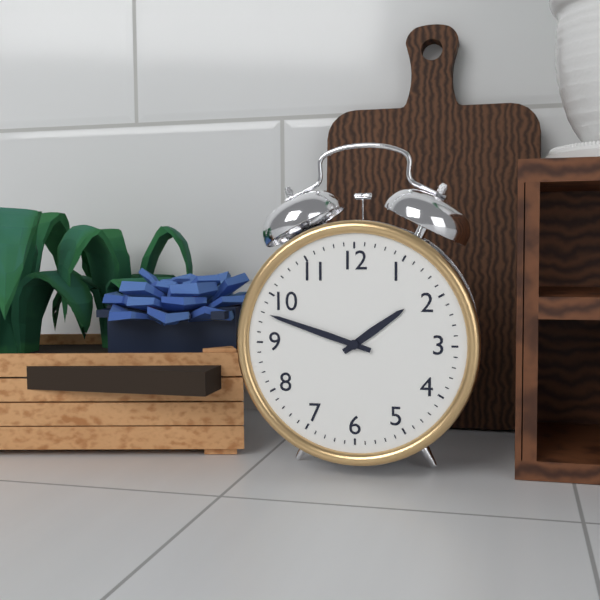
1:48
